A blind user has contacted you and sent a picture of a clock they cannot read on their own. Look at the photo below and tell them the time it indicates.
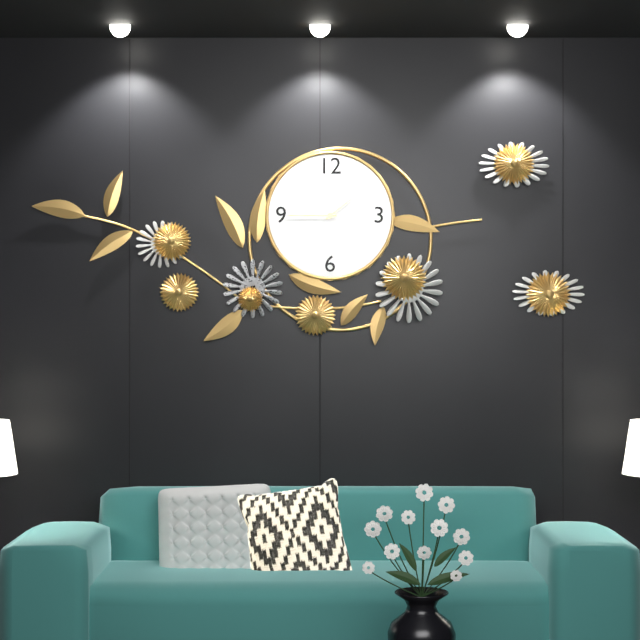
1:45
